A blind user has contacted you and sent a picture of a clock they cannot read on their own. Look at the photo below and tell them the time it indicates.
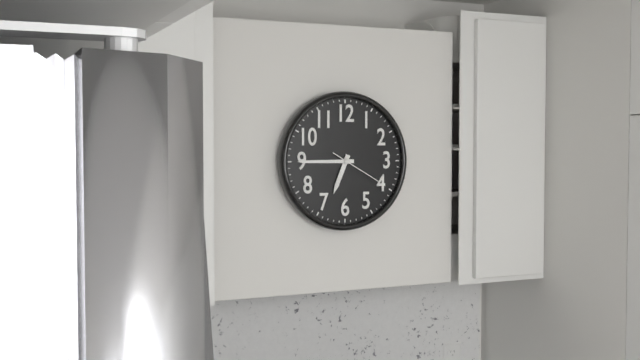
6:45:20
